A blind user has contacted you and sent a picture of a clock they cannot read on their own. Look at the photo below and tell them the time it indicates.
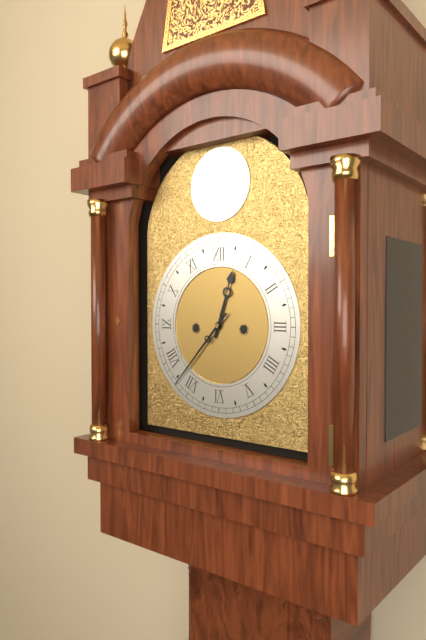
12:37
